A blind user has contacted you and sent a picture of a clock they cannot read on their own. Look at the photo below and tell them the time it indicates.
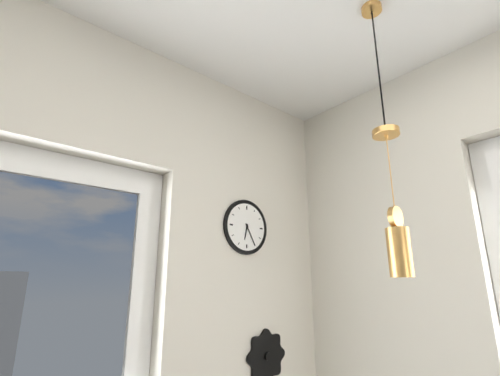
6:25
